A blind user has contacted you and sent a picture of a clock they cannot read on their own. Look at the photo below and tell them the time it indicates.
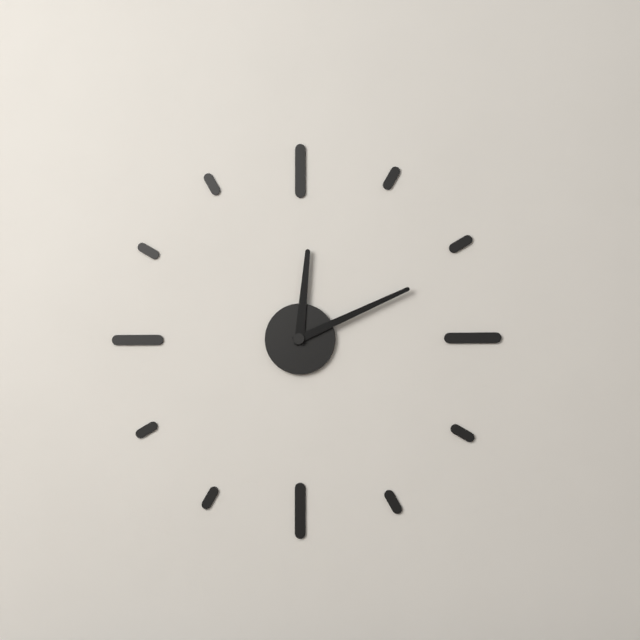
12:11
